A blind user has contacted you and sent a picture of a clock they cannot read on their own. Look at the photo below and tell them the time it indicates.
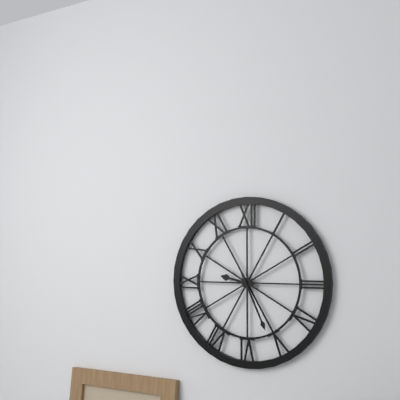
9:26
